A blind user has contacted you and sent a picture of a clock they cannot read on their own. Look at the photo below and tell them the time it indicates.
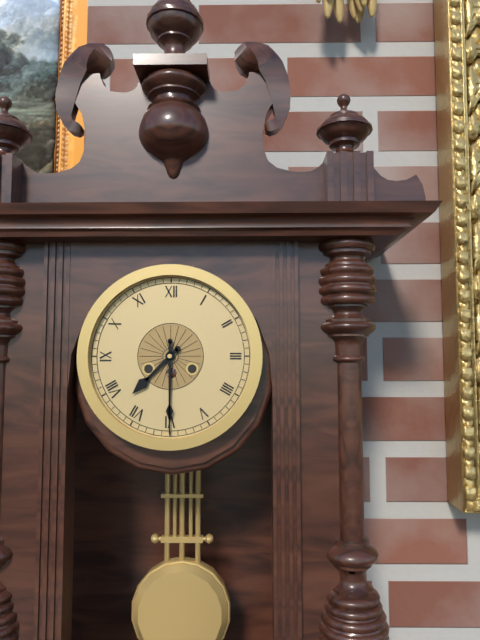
7:30
